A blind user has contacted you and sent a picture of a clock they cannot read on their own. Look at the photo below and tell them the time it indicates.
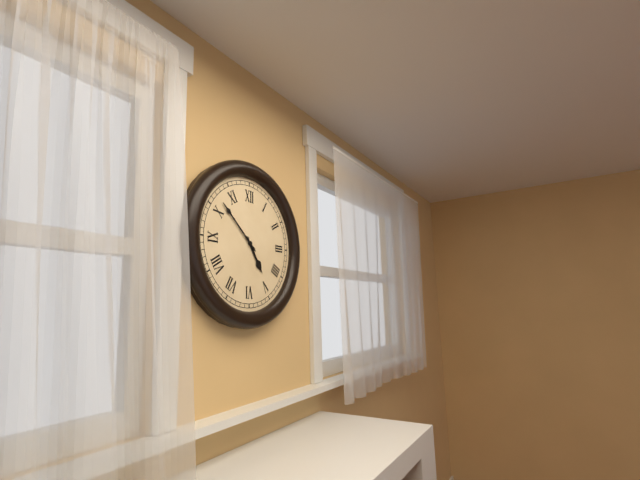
4:52
